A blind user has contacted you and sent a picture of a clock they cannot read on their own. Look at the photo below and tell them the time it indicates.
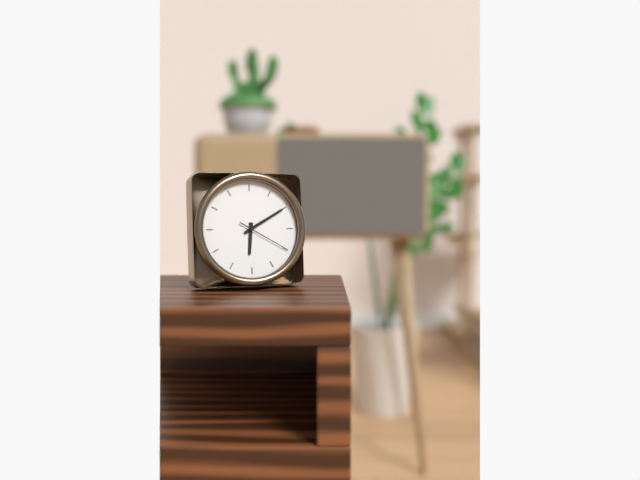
6:10:20
